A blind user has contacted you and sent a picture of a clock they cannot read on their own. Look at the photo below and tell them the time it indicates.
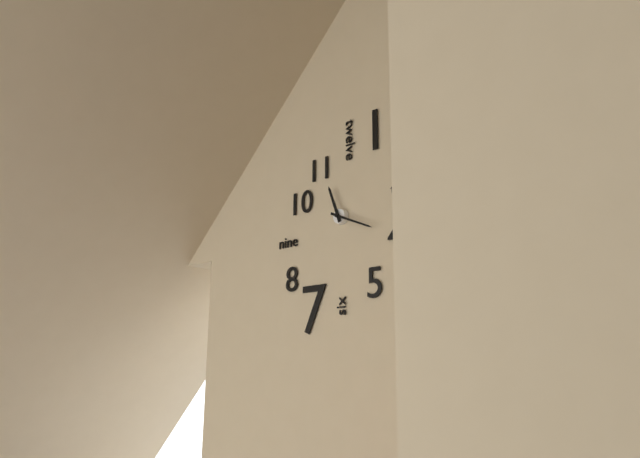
11:19
